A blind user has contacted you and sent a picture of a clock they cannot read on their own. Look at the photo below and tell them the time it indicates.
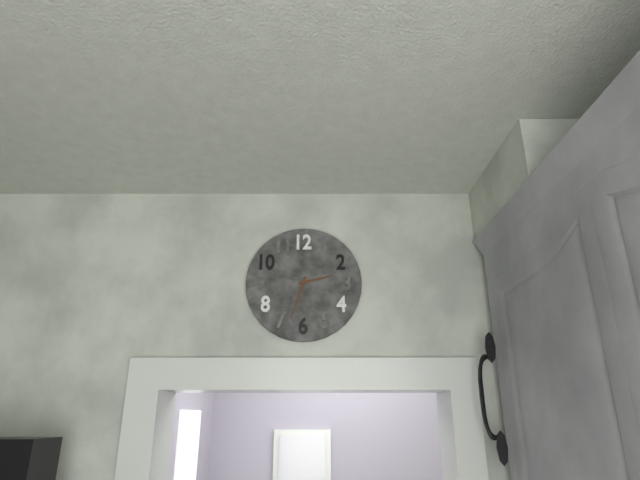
2:33
